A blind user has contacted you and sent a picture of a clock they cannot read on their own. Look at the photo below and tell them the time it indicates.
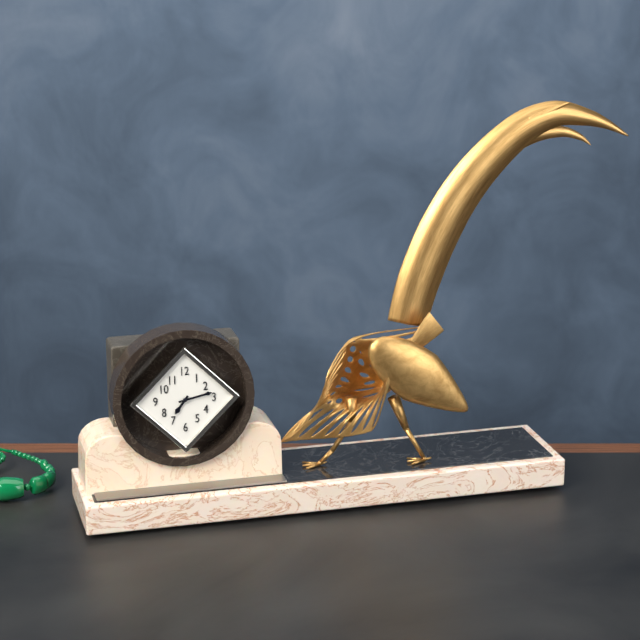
7:13
